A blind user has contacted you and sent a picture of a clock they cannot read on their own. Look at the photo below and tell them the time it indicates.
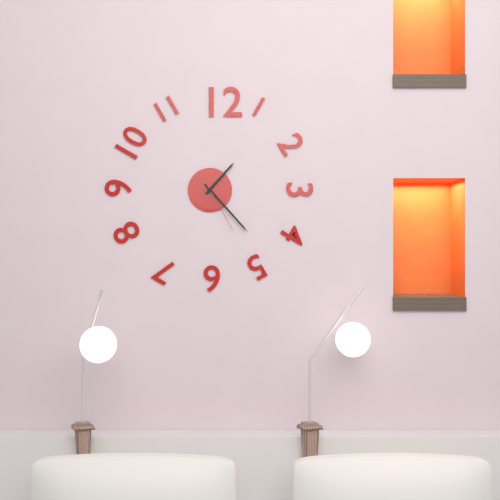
1:23:25
